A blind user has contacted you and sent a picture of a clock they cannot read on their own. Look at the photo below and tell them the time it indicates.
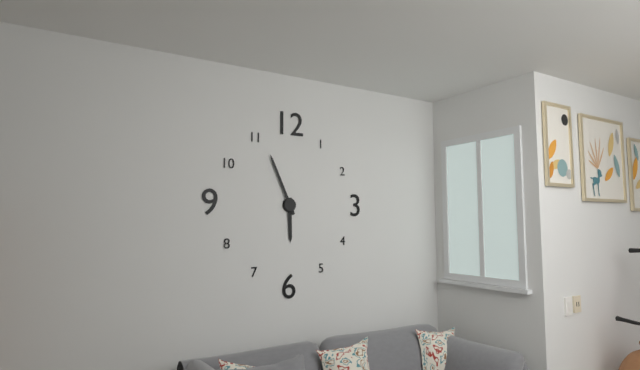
5:56
